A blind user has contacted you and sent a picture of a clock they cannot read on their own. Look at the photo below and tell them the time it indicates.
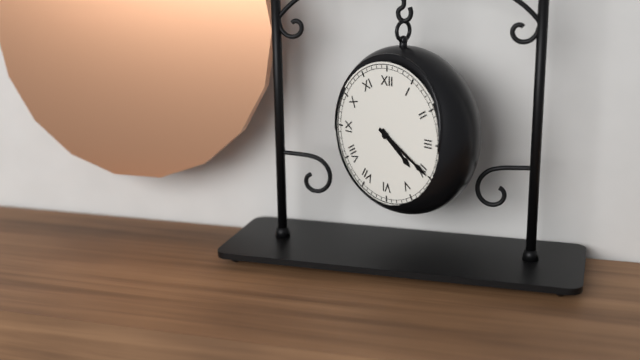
4:20
